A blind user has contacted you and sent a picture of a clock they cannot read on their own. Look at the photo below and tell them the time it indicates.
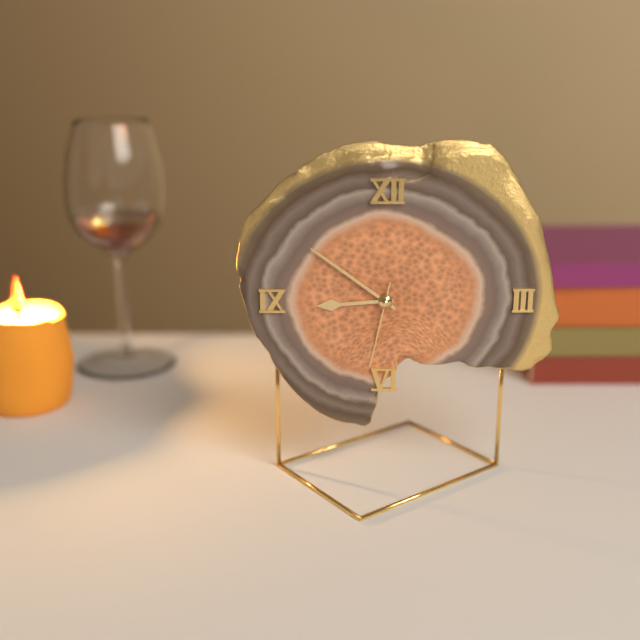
8:51:32
